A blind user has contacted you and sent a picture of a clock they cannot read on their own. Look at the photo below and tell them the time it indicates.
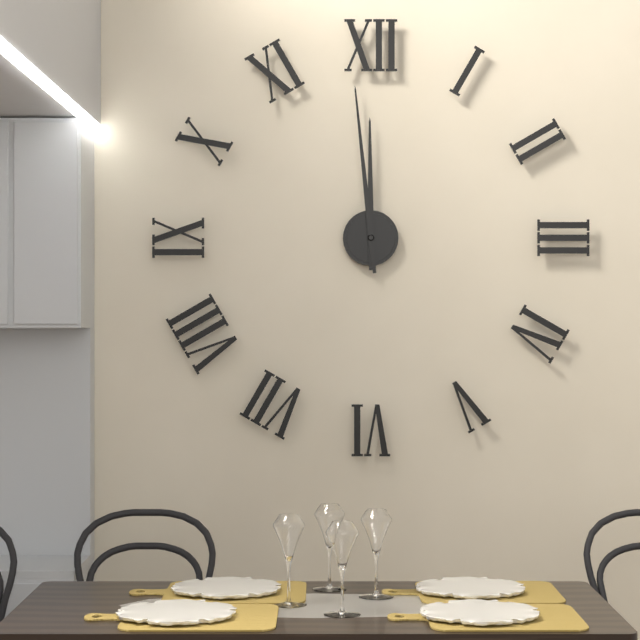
11:59
